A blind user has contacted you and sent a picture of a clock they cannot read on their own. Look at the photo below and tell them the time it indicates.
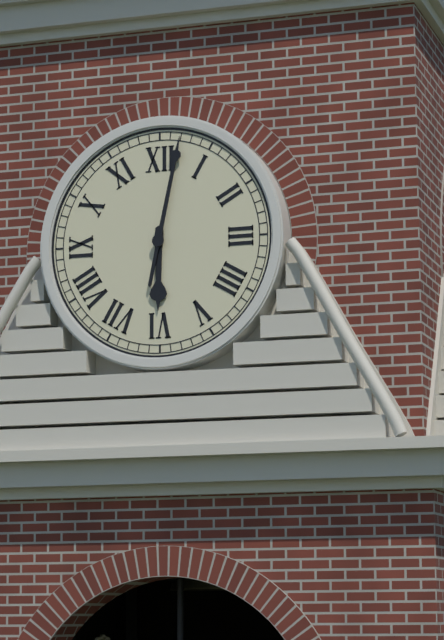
6:02
